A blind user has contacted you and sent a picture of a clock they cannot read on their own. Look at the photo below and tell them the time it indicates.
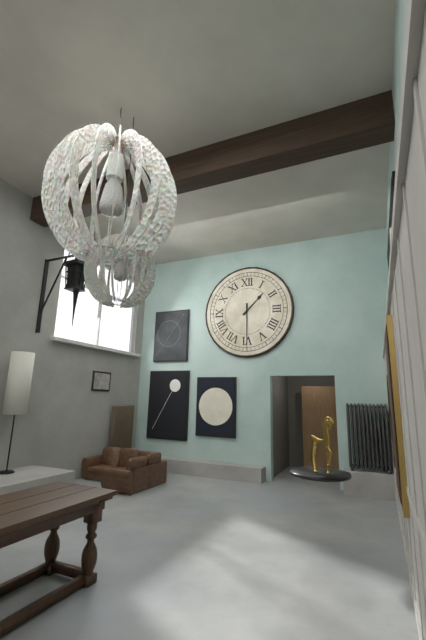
1:30
